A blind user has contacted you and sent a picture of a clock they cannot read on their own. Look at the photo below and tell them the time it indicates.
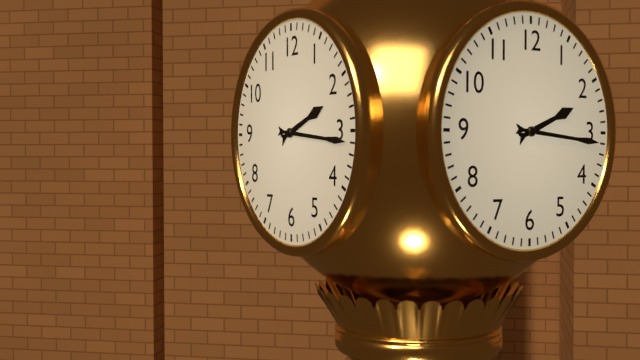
2:16
